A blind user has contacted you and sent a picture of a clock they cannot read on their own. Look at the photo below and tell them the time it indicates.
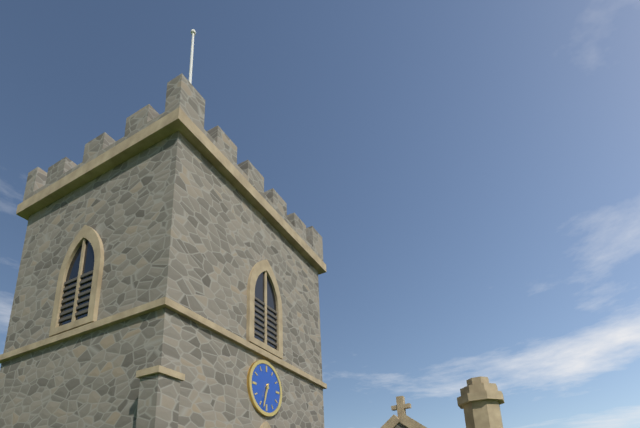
6:33
